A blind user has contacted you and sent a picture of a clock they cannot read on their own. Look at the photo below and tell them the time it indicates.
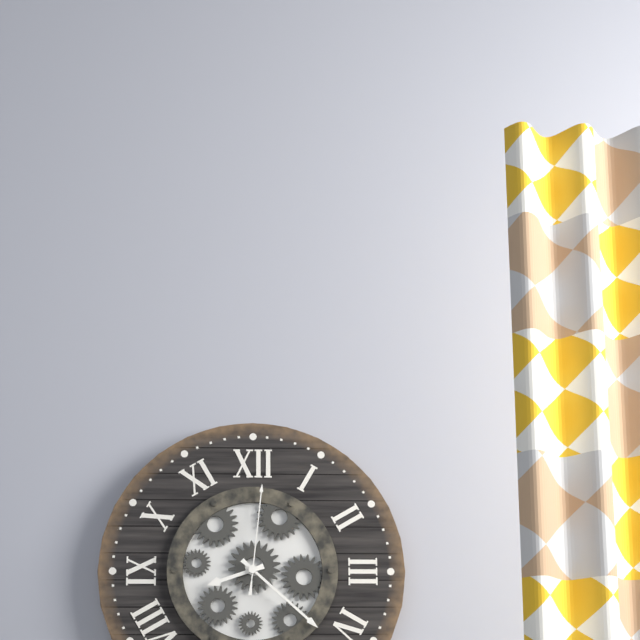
8:22:01
